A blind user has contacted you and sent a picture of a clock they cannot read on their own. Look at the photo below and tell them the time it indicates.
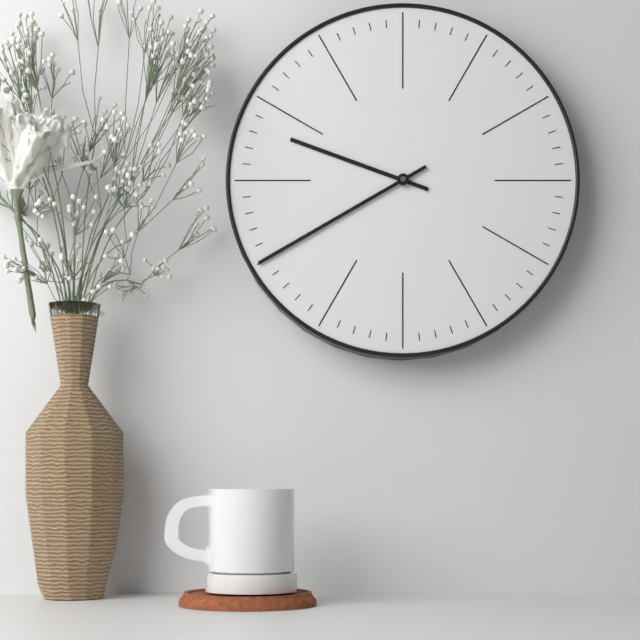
9:40
